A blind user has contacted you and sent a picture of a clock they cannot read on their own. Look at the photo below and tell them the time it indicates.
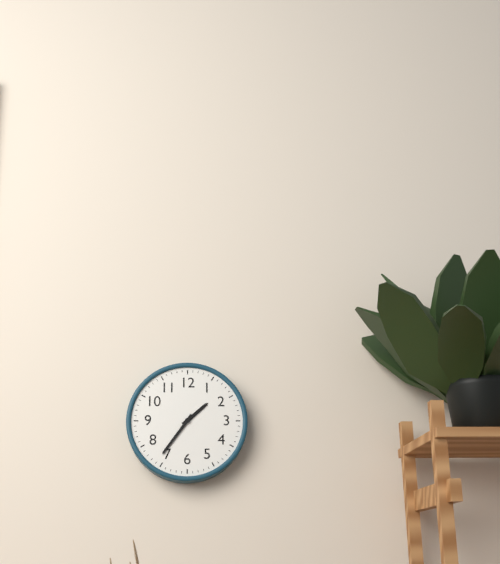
1:36
